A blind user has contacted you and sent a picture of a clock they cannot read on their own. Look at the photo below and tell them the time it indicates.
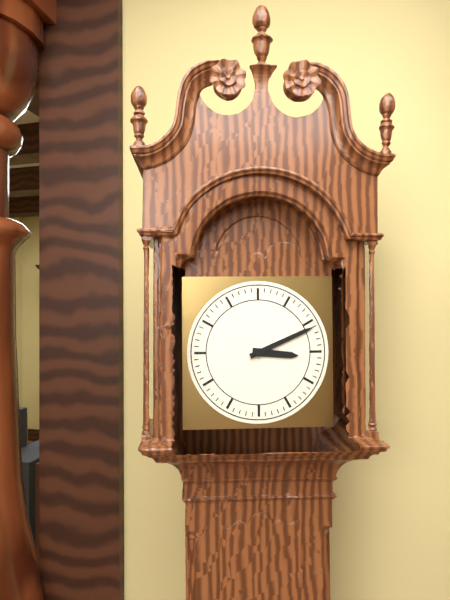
3:11
